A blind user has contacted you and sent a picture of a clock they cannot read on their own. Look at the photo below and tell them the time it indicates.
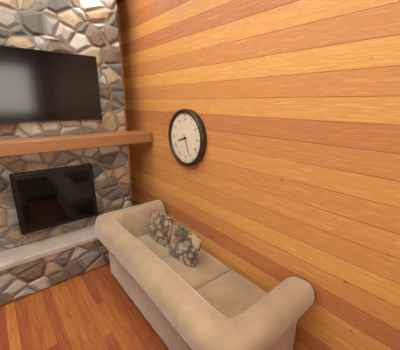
8:26
